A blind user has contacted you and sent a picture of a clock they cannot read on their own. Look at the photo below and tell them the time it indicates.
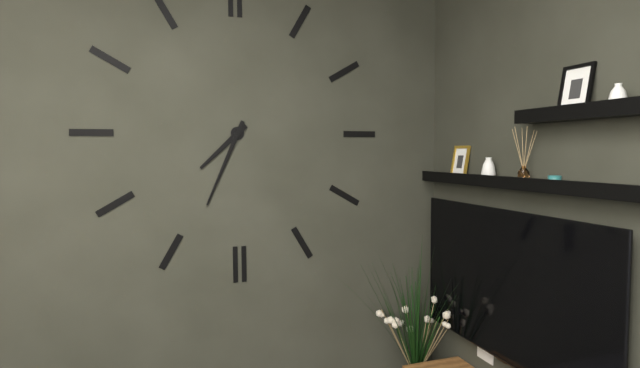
7:34
